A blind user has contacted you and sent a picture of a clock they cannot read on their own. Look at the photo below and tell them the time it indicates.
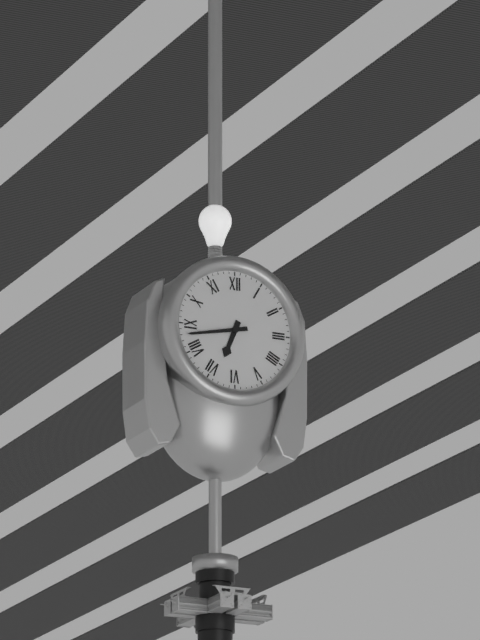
6:43
